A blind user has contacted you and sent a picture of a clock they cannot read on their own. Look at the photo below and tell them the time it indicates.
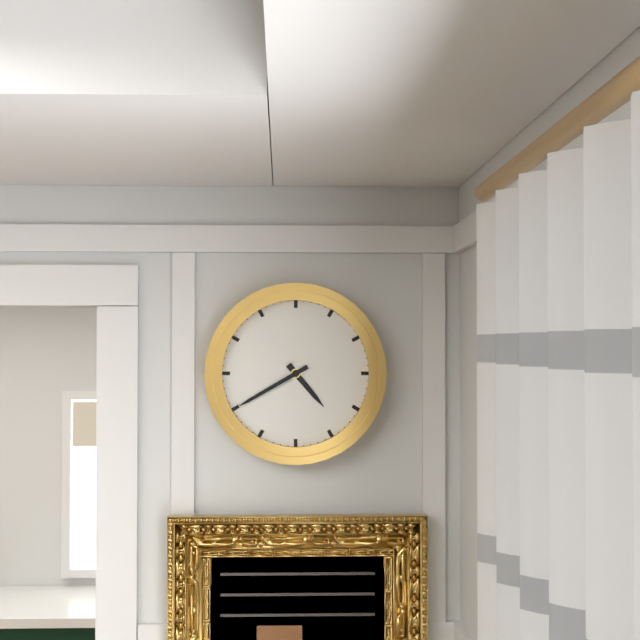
4:40
